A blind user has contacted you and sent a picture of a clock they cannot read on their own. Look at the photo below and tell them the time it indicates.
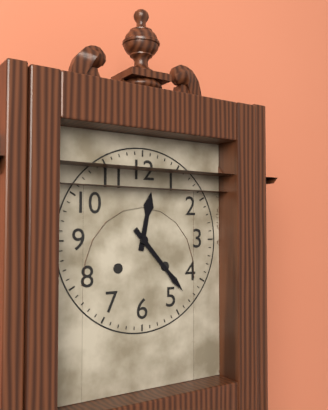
12:23
